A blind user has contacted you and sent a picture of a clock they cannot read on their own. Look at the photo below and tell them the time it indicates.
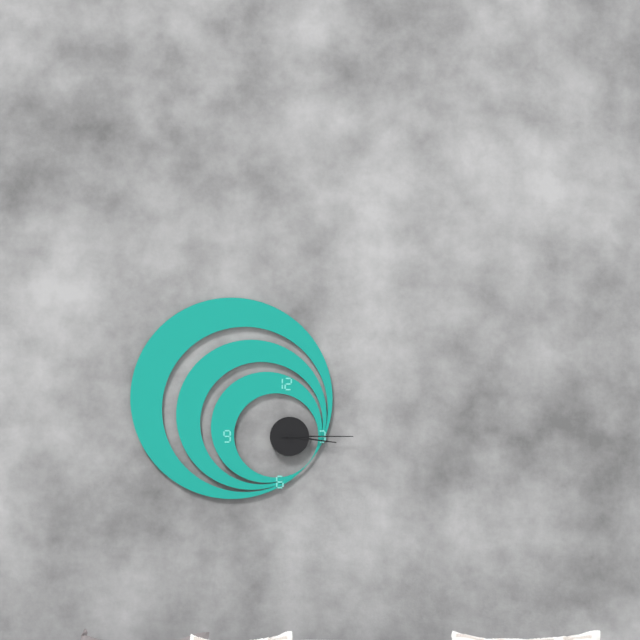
3:15
